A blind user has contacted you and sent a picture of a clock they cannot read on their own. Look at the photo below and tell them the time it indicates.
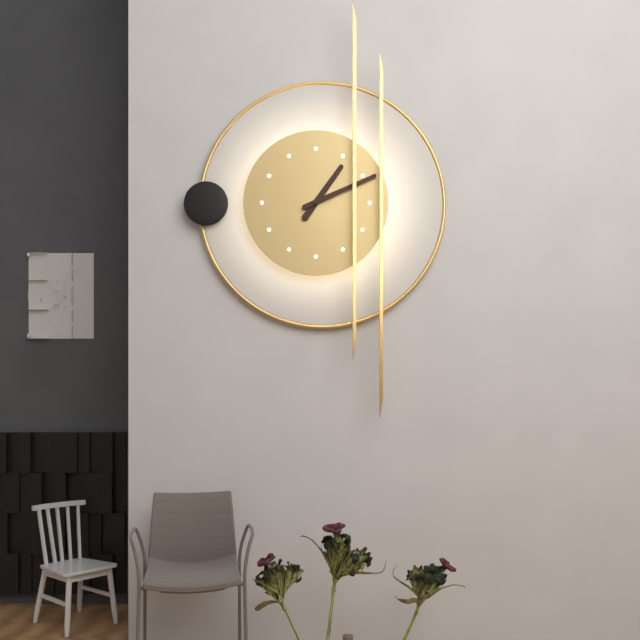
1:11
